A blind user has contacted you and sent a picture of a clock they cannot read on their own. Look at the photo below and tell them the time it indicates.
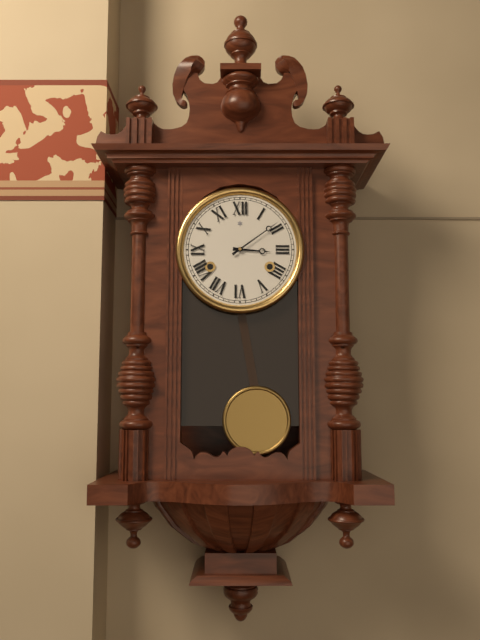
3:09
